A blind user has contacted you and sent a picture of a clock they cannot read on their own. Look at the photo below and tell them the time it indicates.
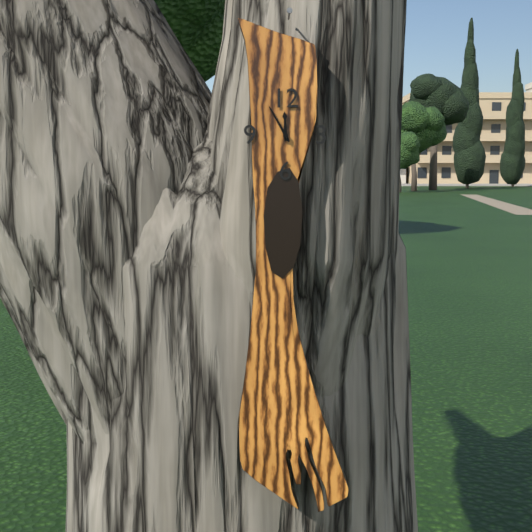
11:55
